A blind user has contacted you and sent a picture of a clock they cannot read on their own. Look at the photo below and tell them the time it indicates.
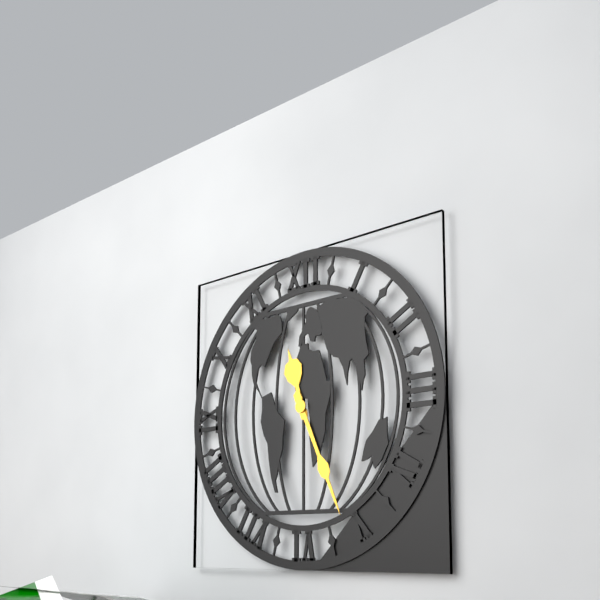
11:26
